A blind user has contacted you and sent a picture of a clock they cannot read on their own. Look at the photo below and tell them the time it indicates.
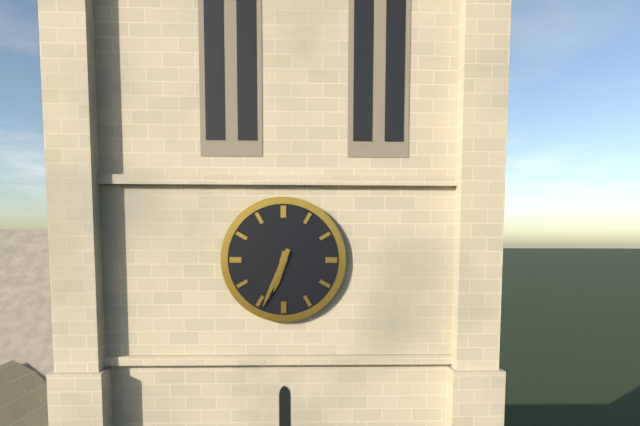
6:34
